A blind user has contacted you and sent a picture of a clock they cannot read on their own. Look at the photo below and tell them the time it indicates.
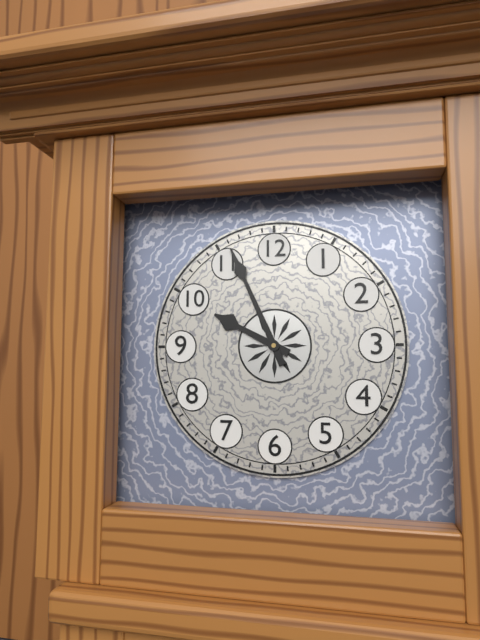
9:56
